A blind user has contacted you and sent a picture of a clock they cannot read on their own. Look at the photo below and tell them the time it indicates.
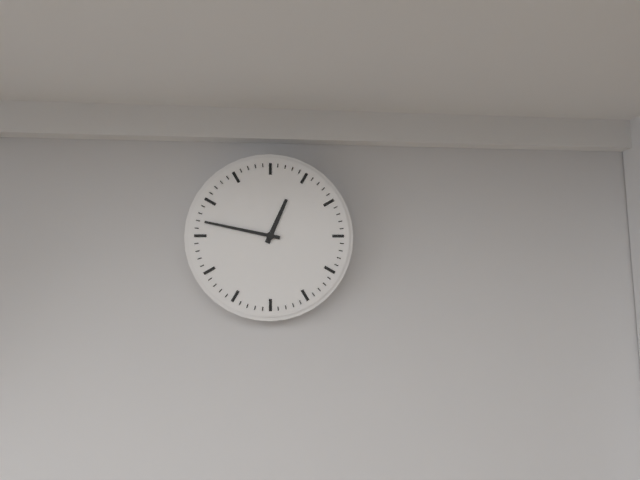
12:47
